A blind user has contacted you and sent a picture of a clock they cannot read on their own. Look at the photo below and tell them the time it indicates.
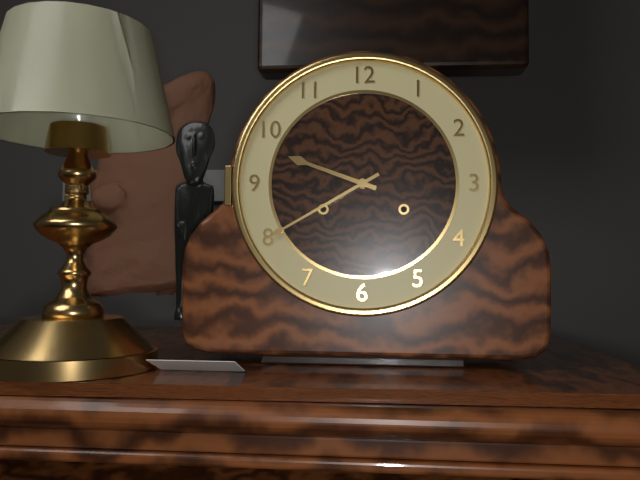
9:40
